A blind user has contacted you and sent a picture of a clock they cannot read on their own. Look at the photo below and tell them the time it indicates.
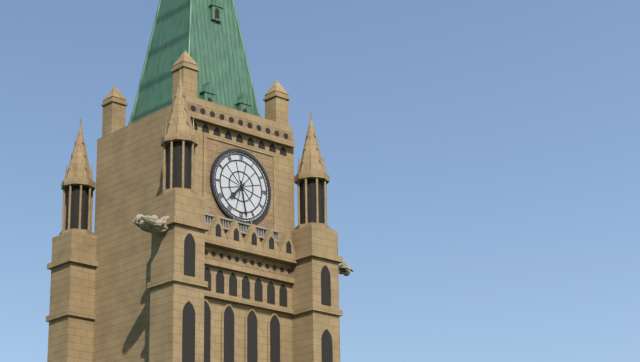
7:28
